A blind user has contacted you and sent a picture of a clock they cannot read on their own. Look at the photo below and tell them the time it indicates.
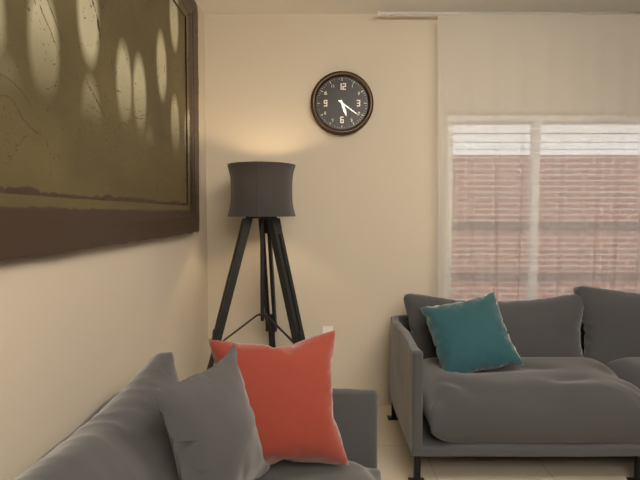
5:21
